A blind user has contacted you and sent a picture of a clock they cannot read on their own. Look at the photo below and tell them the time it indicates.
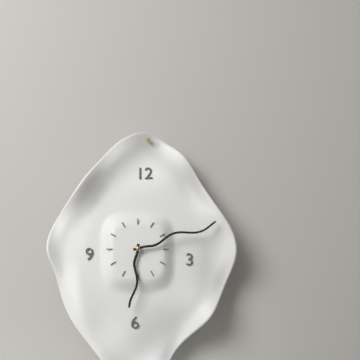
6:12
